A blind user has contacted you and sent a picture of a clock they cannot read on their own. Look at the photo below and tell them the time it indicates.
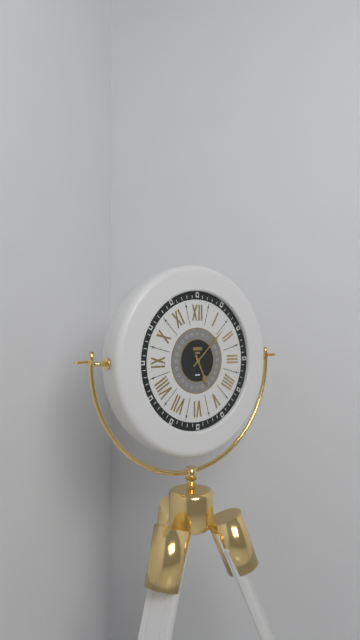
5:08
